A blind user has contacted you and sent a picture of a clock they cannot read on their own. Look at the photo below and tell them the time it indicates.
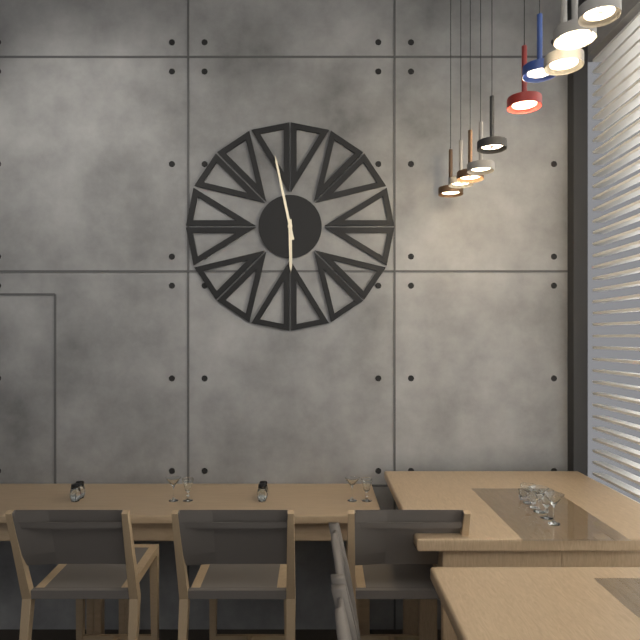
5:58
